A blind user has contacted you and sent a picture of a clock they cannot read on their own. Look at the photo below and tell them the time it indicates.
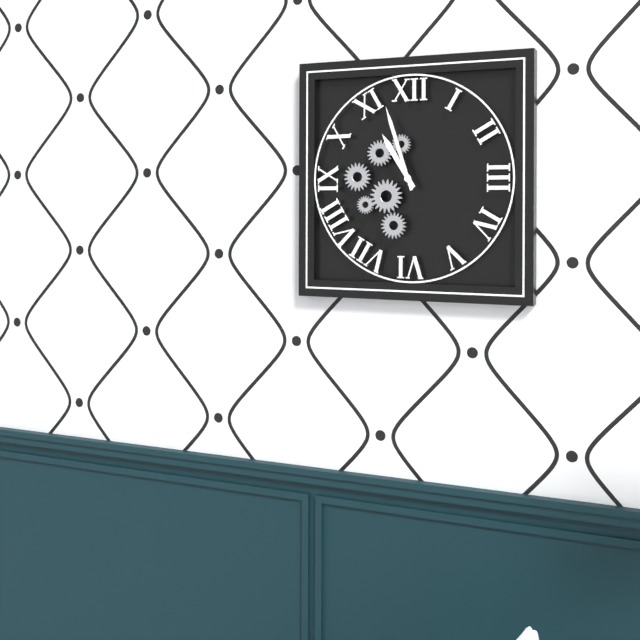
10:57
